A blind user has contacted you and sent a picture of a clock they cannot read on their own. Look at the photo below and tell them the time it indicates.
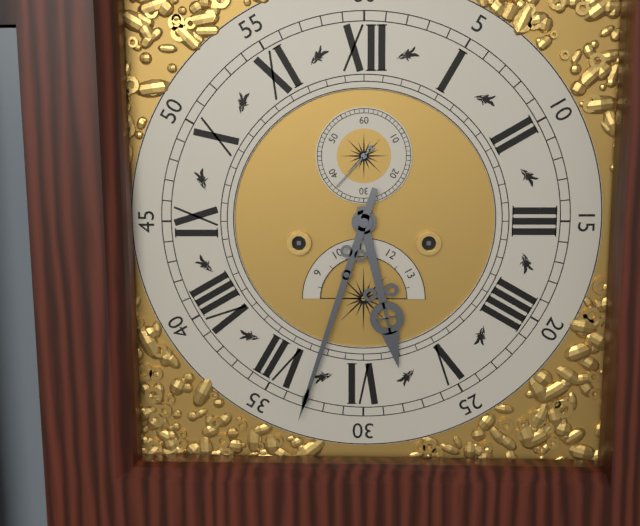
5:33:37
